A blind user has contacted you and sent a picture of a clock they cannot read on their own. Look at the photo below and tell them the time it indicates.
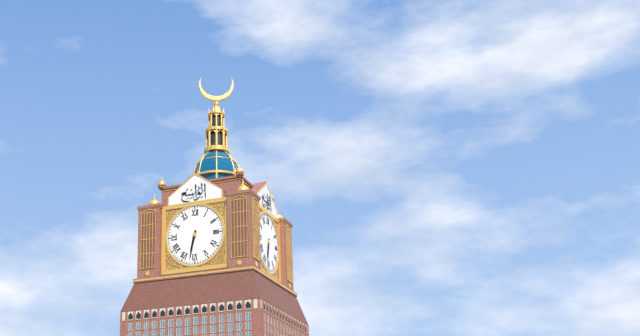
6:32
